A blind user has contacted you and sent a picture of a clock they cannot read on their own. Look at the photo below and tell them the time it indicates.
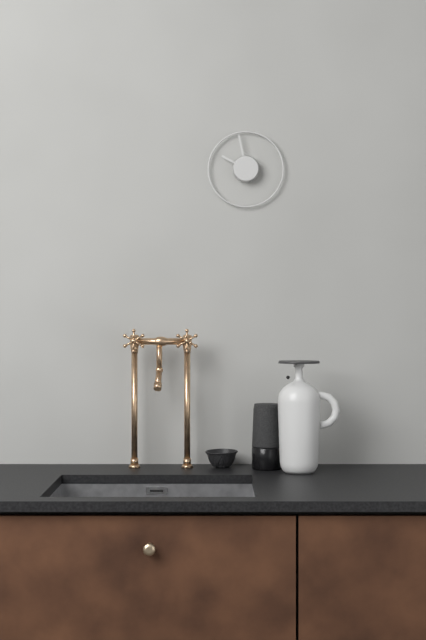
9:58
